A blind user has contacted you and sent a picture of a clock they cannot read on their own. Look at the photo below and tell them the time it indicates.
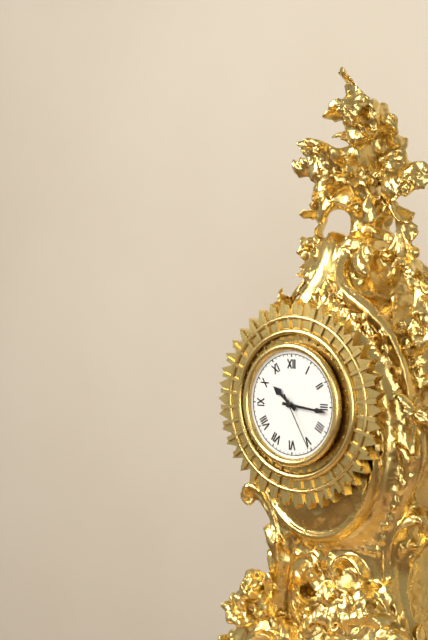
10:16:25
